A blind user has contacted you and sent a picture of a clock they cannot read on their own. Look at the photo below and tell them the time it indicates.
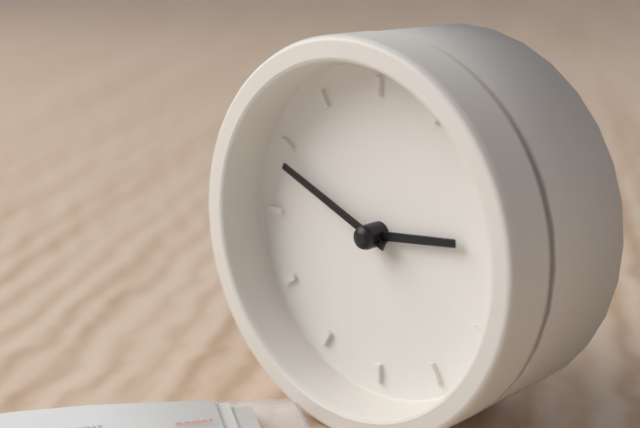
2:49
